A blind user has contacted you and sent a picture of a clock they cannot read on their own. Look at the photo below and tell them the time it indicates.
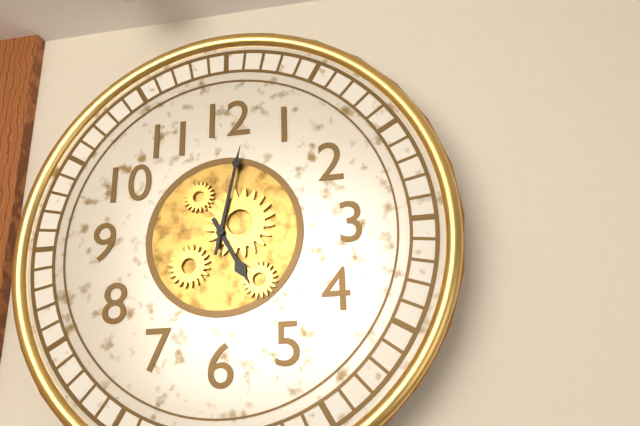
5:02
